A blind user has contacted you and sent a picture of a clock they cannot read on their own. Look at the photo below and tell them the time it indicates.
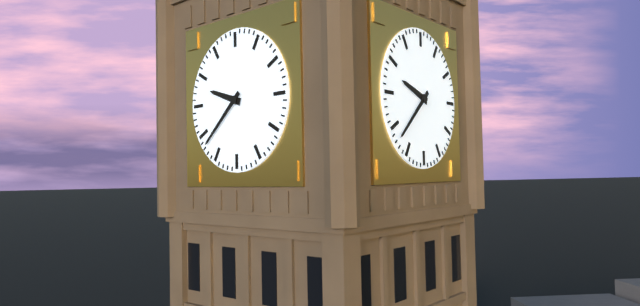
9:38
